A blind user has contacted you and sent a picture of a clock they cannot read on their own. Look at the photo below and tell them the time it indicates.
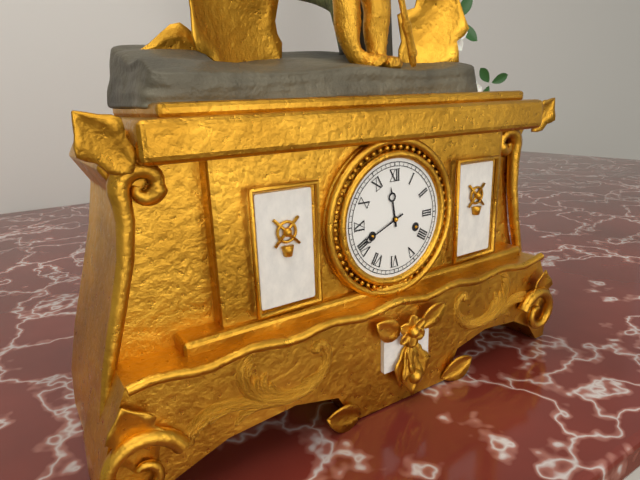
11:41
